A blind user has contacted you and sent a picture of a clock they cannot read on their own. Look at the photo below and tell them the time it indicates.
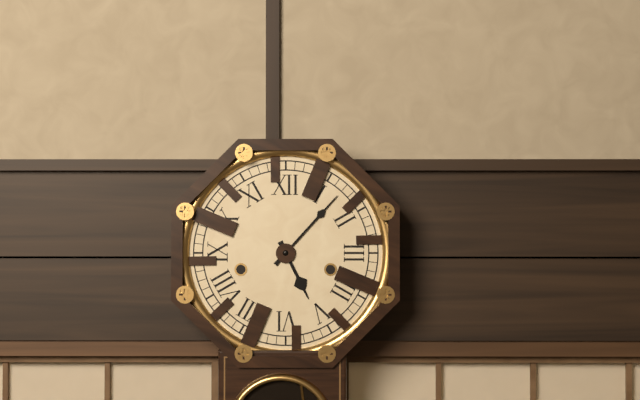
5:07
